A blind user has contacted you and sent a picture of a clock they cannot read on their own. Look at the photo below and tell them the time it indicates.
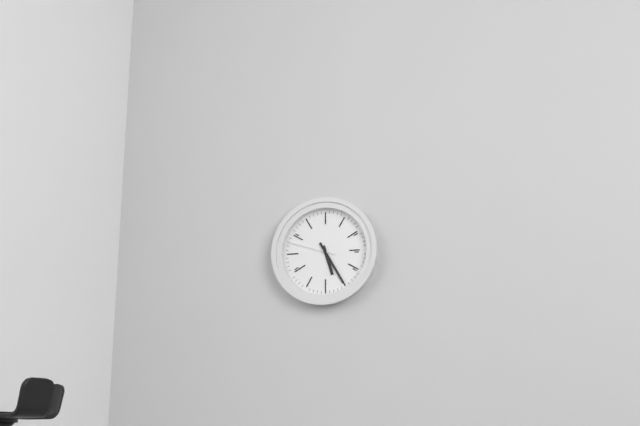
5:25
